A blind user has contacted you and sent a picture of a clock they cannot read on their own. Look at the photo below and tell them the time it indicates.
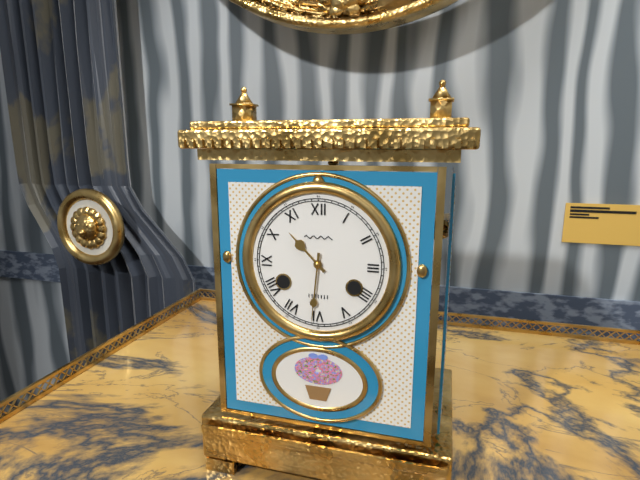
10:31
